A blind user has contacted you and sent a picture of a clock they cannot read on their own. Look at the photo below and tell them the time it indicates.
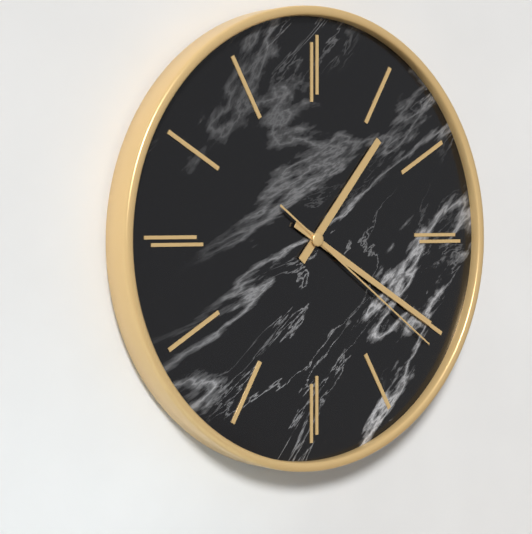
1:20:21
